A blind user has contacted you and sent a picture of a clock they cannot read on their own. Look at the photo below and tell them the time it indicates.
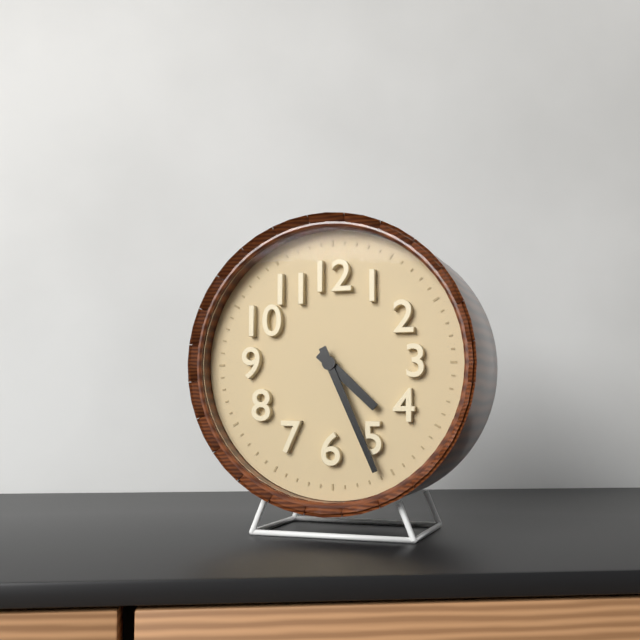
4:26
